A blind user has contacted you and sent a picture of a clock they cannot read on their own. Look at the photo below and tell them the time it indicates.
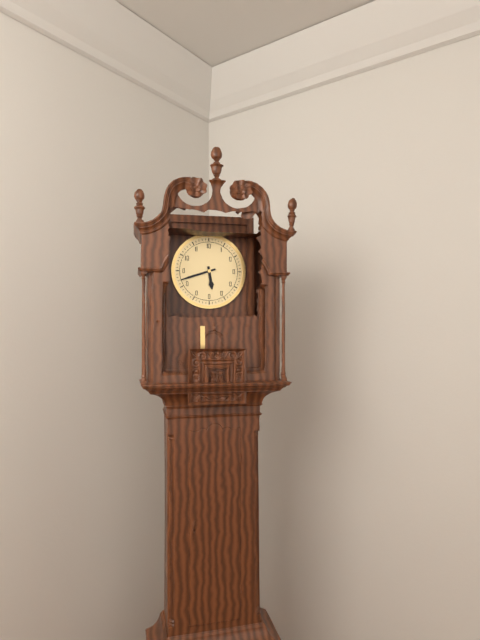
5:42
